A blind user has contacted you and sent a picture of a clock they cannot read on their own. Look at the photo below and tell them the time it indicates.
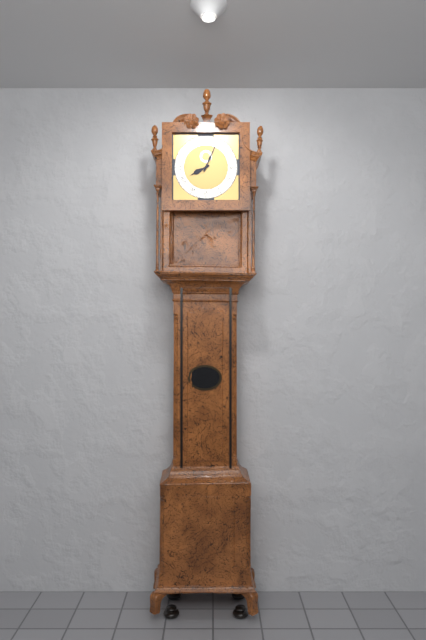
8:04
